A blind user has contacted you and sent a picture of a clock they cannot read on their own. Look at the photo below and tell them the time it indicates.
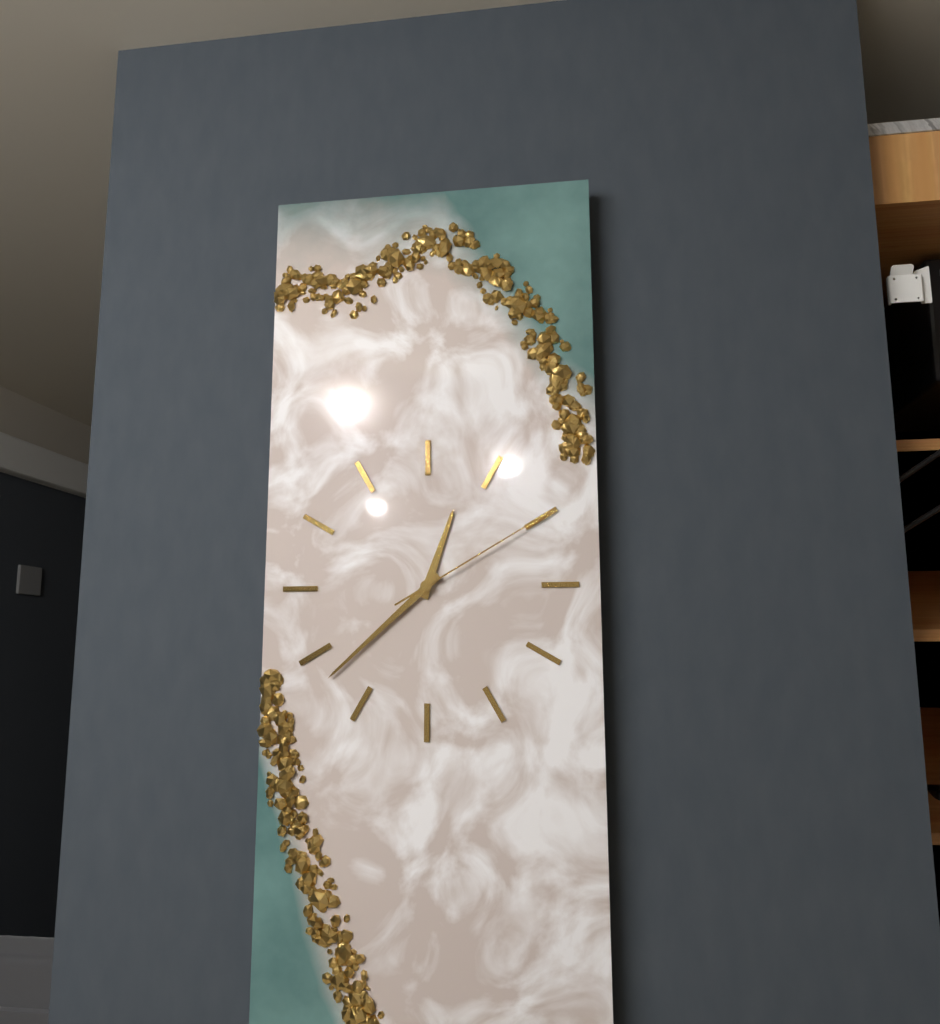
12:38:10
